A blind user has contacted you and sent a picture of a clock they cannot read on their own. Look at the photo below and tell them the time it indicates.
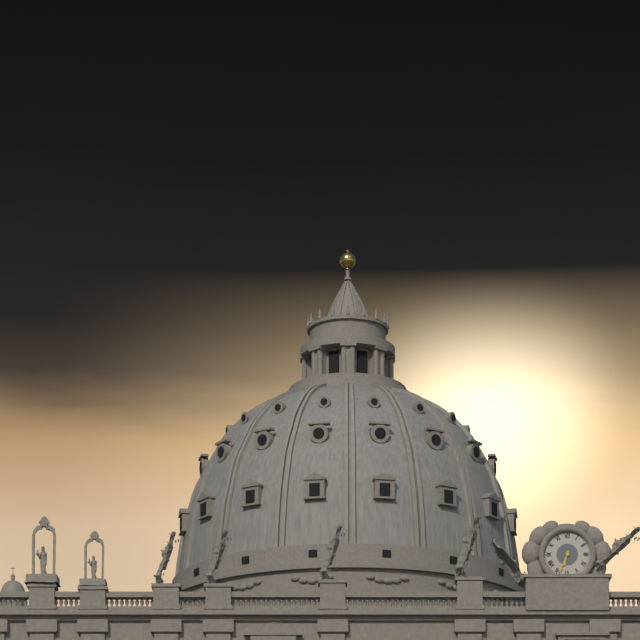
6:34
